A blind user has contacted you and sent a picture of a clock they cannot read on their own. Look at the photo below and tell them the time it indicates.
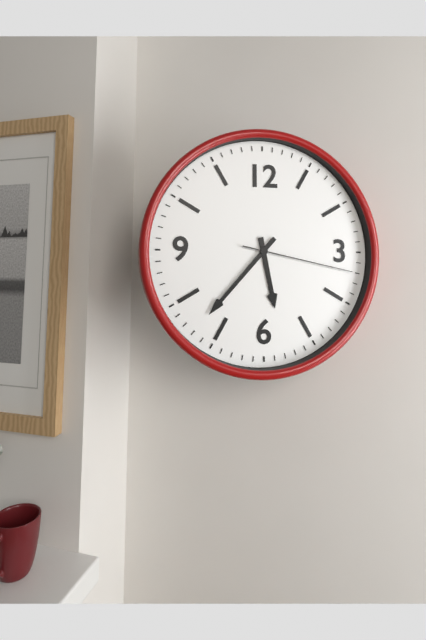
5:37:17
